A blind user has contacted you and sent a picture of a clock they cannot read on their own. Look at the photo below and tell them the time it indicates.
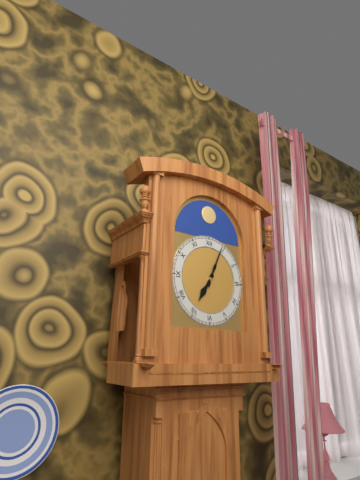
7:04
